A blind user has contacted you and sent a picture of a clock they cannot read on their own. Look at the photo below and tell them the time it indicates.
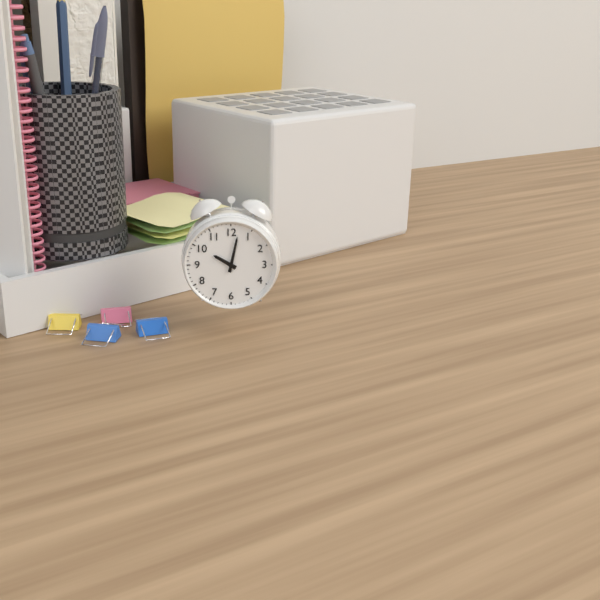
10:02
